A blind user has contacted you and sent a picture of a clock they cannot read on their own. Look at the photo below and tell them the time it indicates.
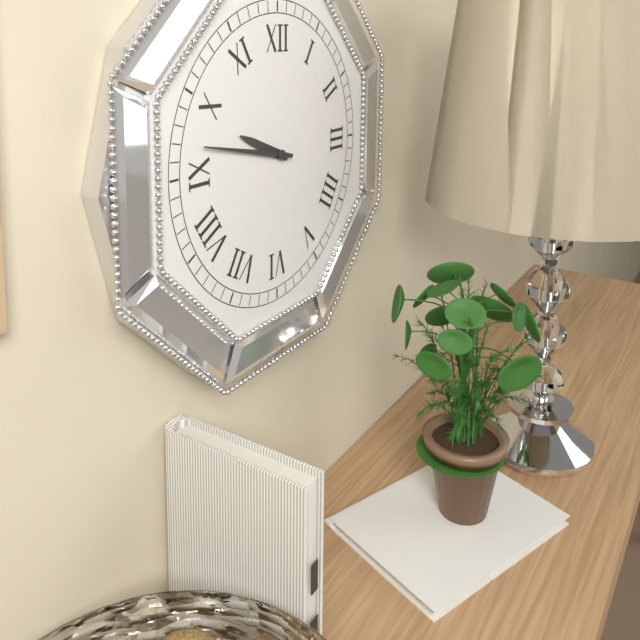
9:47
